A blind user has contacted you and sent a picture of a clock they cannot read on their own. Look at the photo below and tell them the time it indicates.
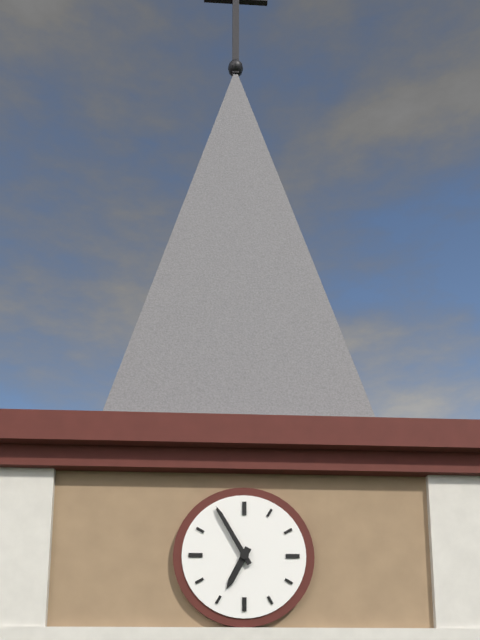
6:55
